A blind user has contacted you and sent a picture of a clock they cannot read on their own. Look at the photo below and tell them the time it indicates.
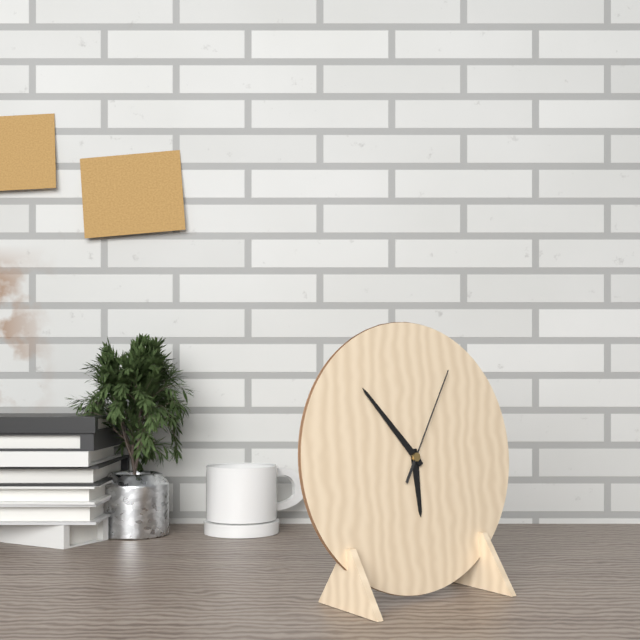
5:53:05
